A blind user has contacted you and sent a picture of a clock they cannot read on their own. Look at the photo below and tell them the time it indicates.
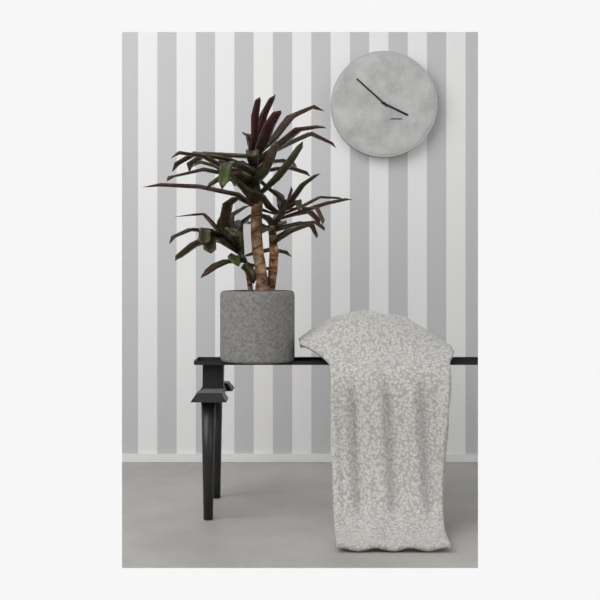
3:52
